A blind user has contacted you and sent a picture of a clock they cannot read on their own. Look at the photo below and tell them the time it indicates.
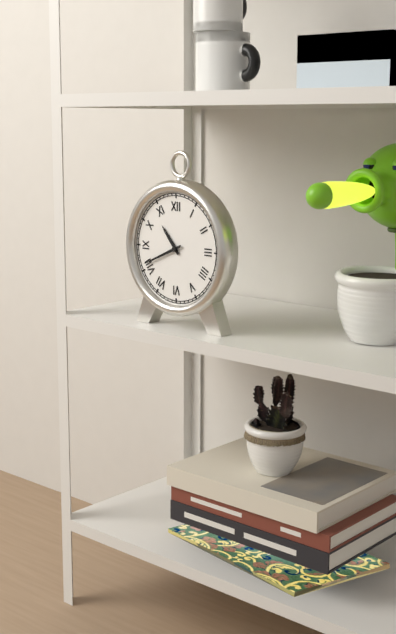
10:41
